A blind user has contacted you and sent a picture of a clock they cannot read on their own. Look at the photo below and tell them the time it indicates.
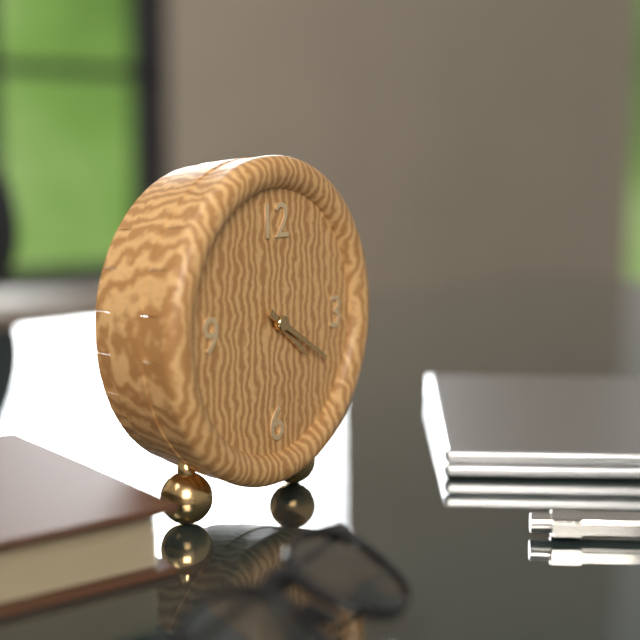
4:20
